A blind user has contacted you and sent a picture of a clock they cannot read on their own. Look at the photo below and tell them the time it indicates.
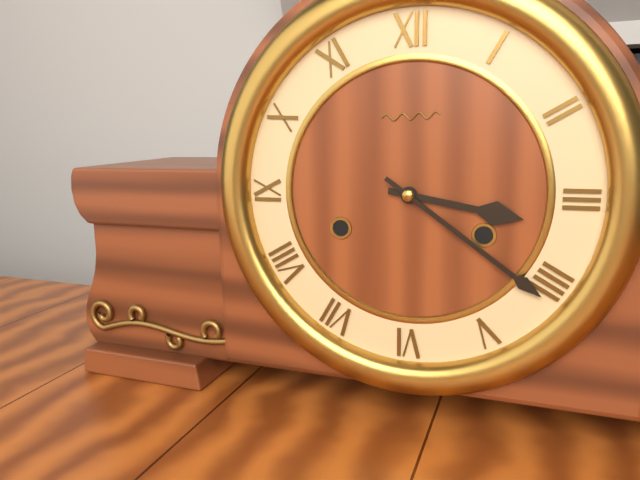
3:21
